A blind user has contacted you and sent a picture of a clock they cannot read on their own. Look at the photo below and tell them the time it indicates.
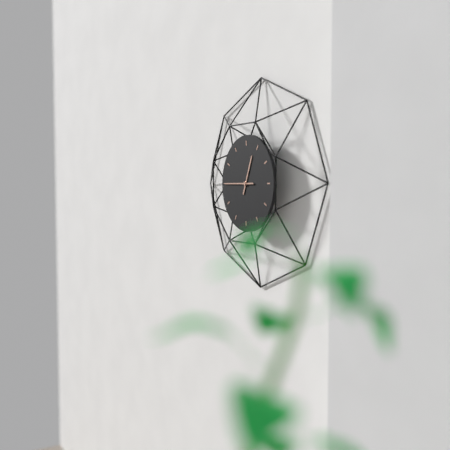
12:45
